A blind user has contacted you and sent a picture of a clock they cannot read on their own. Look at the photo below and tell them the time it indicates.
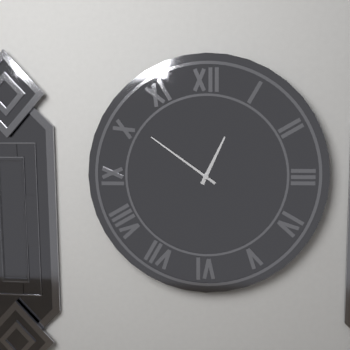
12:51
